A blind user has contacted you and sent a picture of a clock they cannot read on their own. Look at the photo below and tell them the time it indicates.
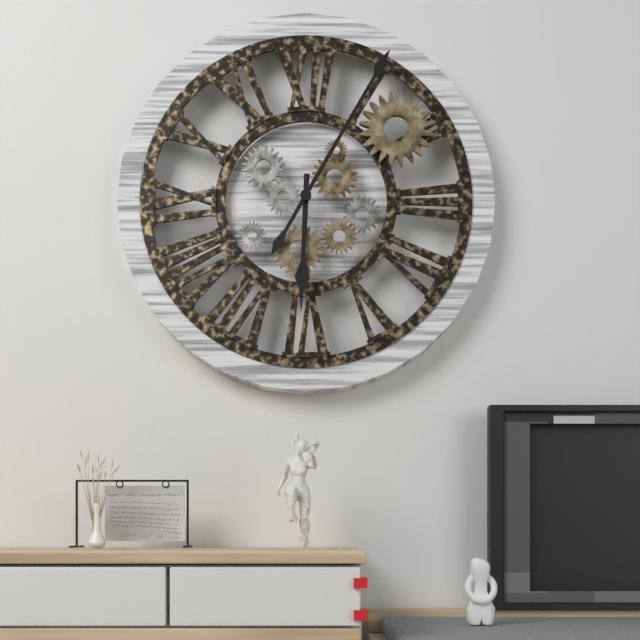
6:05
